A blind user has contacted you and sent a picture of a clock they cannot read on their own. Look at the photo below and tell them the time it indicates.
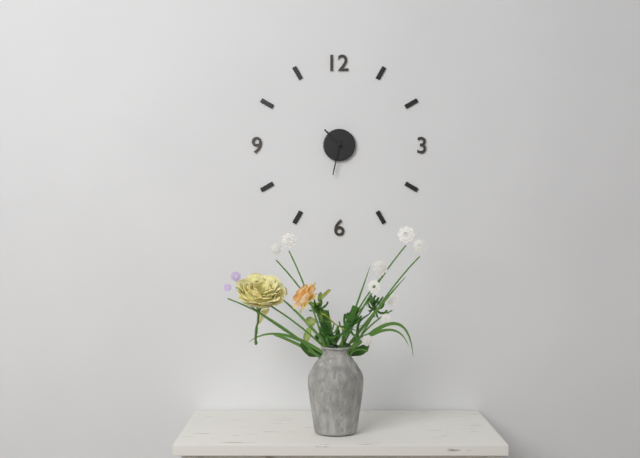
10:32
